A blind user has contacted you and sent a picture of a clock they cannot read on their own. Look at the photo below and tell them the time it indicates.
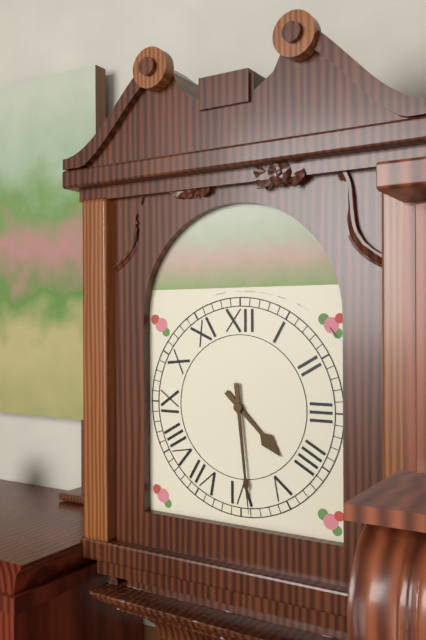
4:29
